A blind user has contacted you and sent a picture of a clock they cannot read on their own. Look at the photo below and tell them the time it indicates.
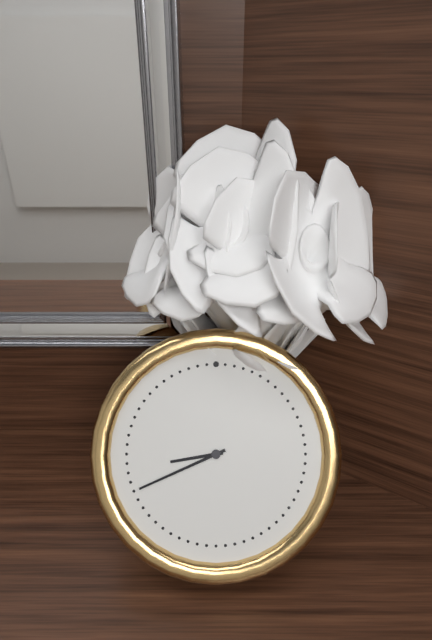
8:41
